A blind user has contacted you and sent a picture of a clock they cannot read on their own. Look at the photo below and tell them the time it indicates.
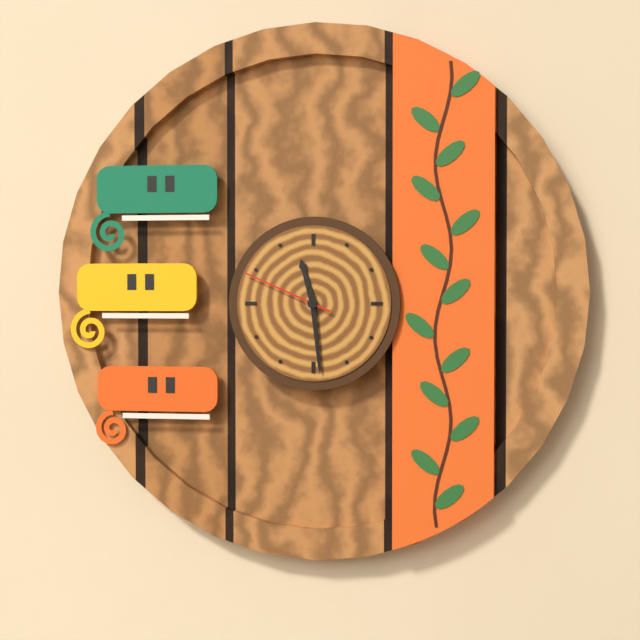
11:29:49
